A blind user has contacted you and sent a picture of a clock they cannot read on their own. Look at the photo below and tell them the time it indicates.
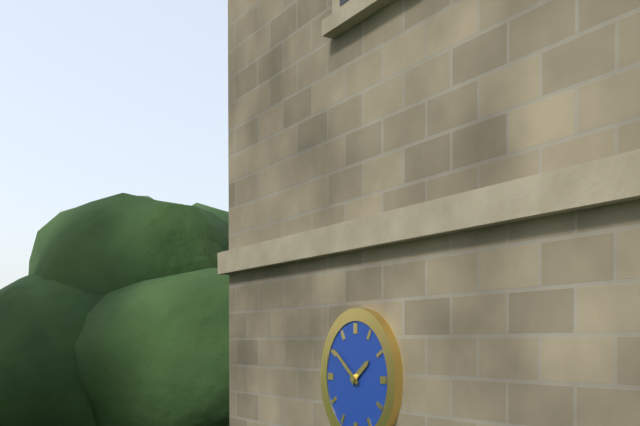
1:51
